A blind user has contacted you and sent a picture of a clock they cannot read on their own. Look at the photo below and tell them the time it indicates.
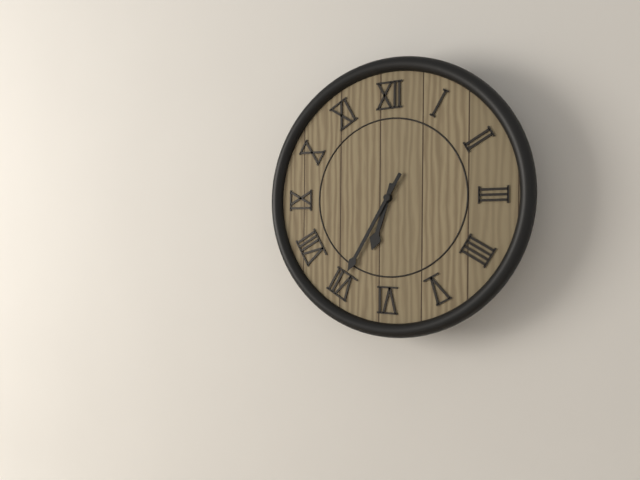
6:35
